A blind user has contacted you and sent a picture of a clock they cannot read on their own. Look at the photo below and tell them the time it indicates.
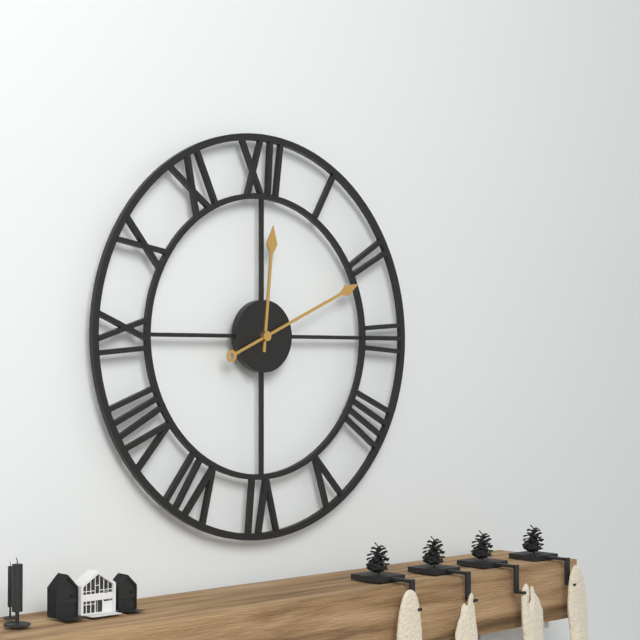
12:11
